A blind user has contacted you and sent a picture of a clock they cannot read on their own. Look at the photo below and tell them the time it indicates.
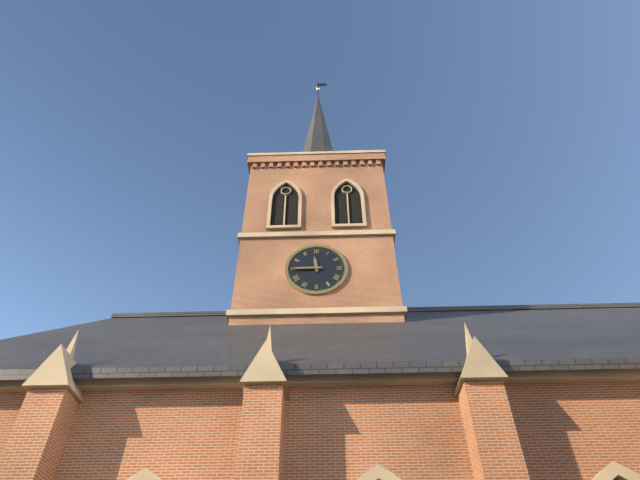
11:45
